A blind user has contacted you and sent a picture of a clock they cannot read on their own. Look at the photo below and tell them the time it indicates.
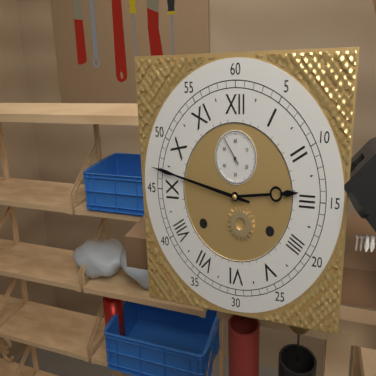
2:47
